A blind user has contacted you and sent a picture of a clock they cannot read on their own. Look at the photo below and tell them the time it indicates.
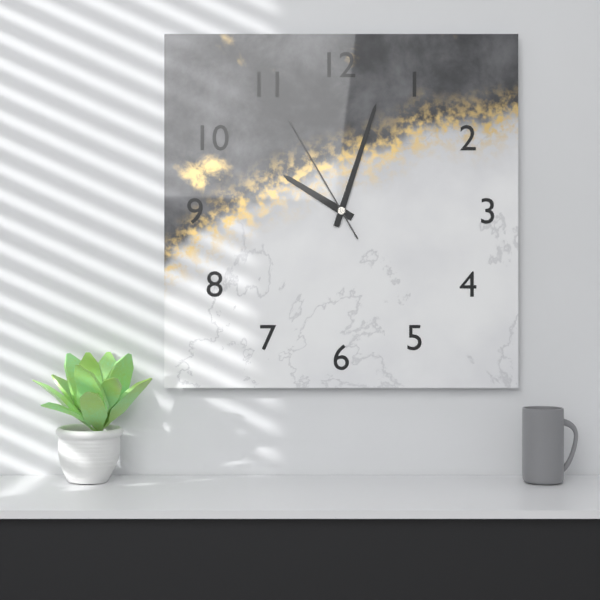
10:03:55
